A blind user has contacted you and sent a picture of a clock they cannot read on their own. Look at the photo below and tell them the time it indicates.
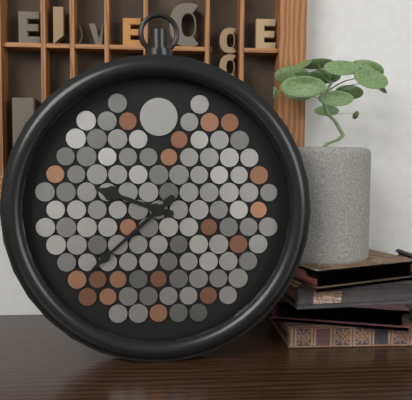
9:38
